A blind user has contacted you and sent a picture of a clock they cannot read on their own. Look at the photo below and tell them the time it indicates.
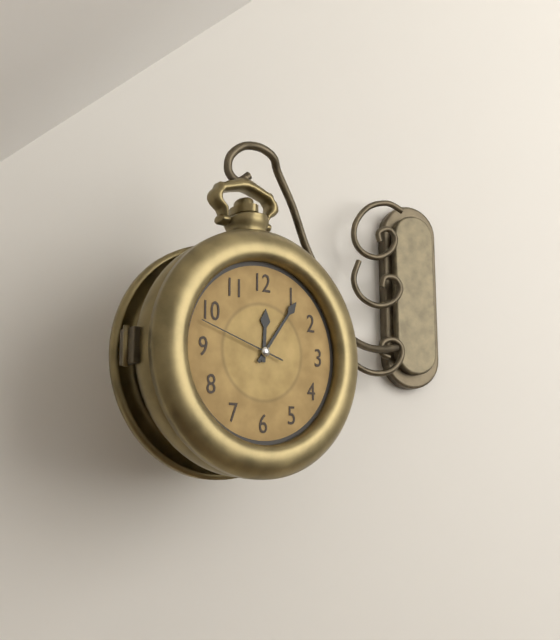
12:06:48
